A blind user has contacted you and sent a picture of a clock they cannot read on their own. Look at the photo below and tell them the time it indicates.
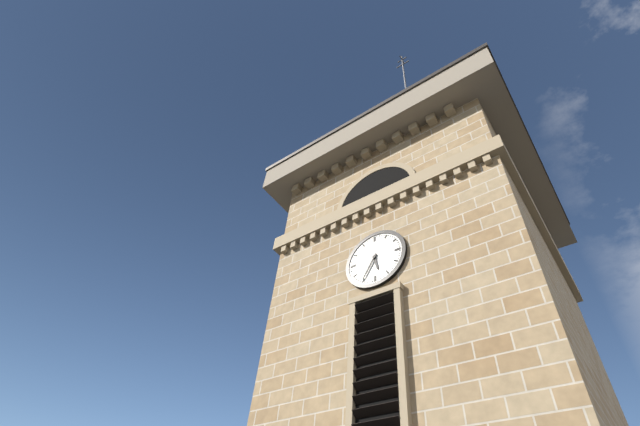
5:35
